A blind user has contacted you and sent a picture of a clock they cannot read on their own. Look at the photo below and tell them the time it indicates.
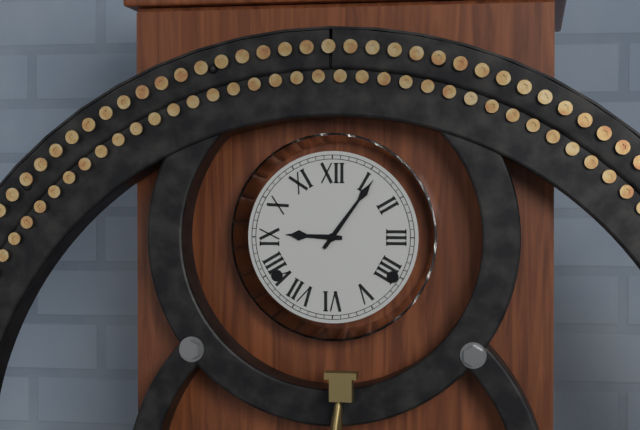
9:06
